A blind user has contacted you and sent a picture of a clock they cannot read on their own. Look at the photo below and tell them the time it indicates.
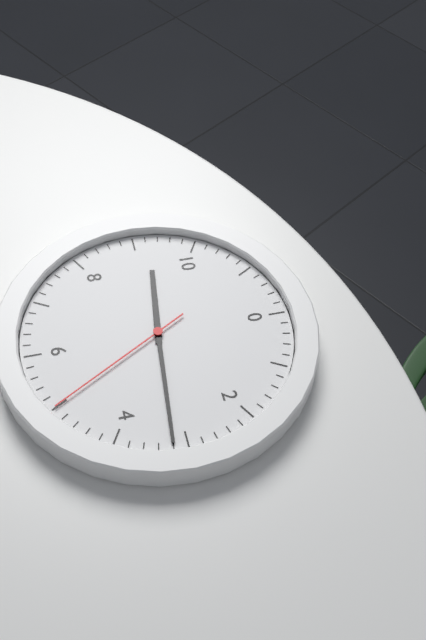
9:16:25
